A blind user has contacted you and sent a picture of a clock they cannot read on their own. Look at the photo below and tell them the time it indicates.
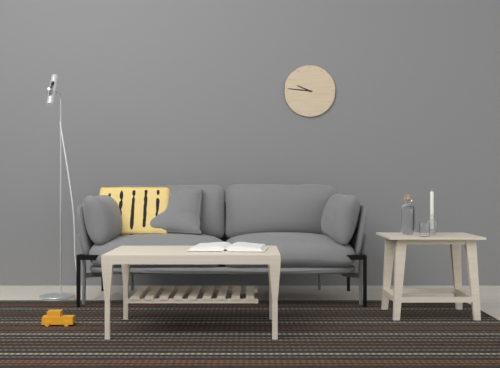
9:46
